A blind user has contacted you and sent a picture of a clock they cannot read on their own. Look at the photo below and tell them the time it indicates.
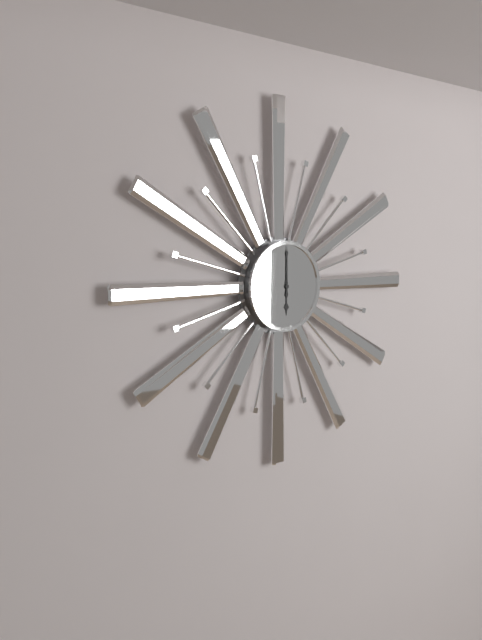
6:00
